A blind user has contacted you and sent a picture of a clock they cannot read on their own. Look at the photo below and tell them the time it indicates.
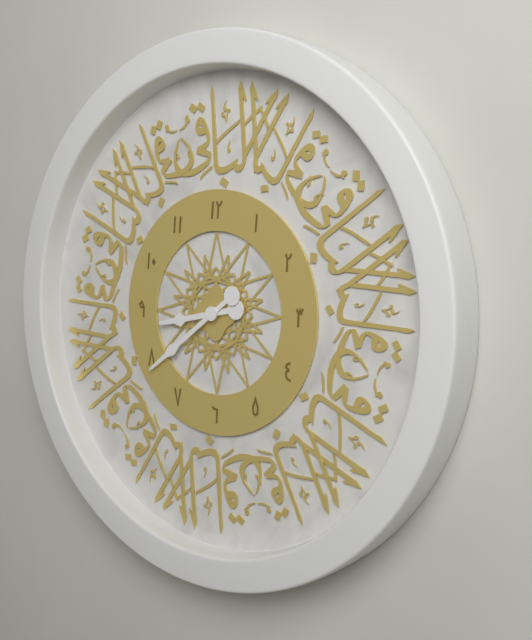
8:39
